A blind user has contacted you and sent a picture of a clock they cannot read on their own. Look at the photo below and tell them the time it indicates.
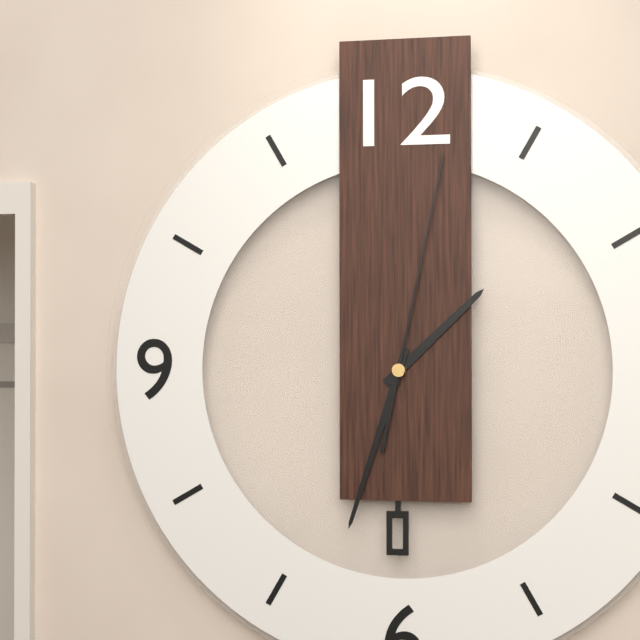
1:33:02
